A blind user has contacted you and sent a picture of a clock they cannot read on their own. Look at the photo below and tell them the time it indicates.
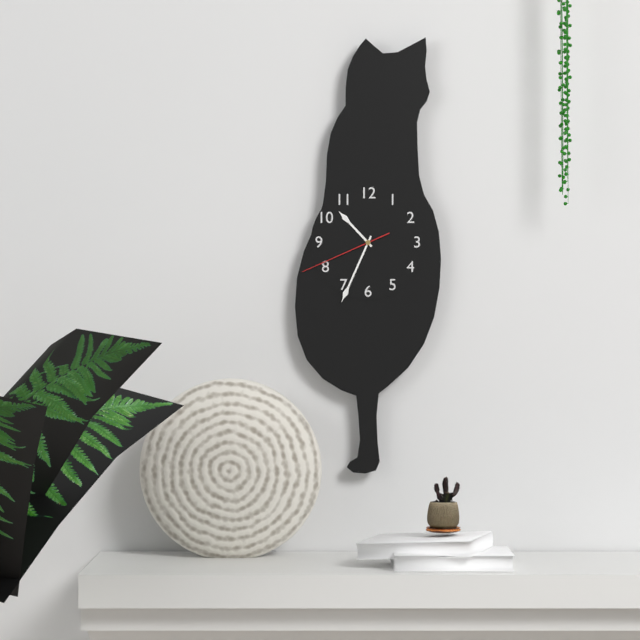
10:34:41
